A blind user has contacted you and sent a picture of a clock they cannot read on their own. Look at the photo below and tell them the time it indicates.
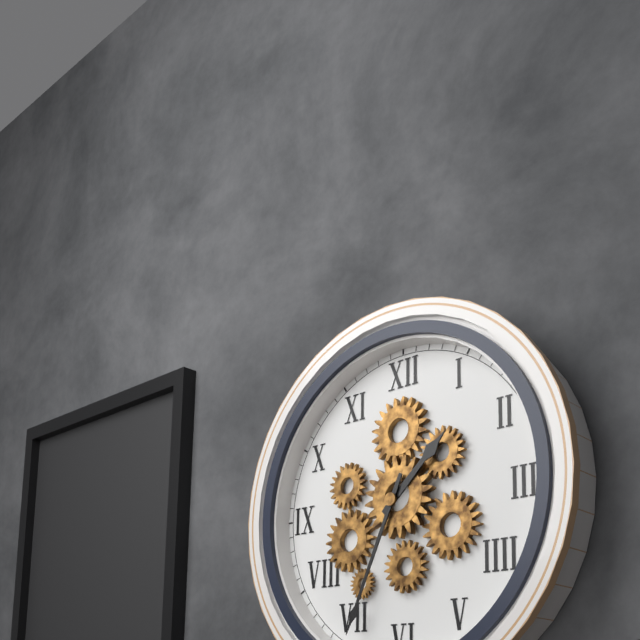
1:34
